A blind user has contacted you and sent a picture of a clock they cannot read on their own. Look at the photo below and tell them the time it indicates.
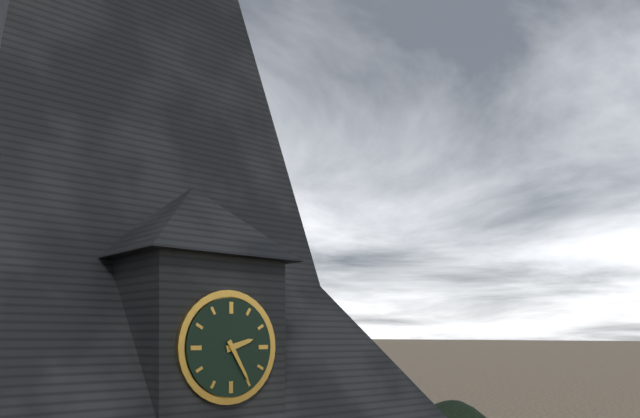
2:25
